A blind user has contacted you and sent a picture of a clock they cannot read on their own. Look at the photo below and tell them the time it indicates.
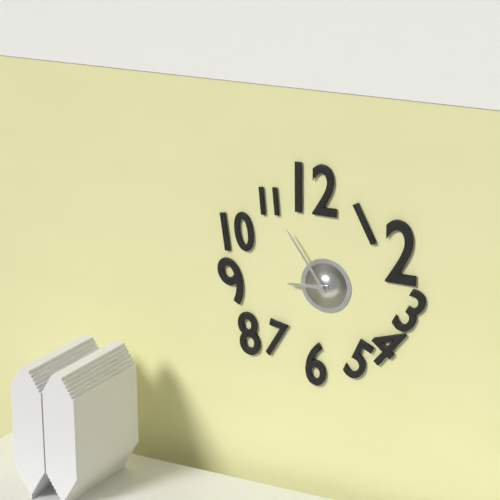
8:54
